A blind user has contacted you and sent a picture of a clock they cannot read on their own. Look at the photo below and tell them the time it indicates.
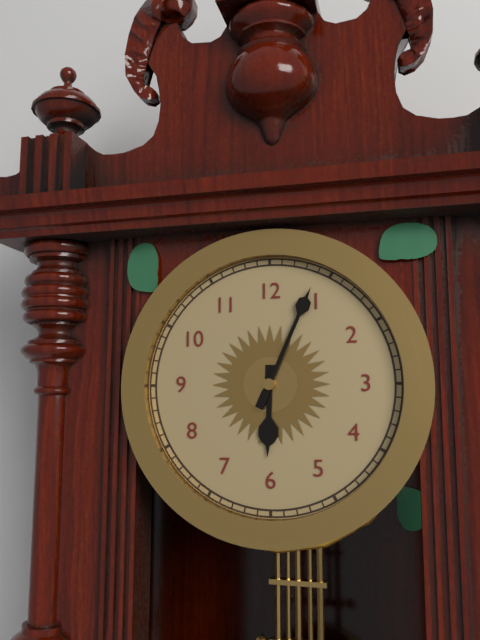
6:04
